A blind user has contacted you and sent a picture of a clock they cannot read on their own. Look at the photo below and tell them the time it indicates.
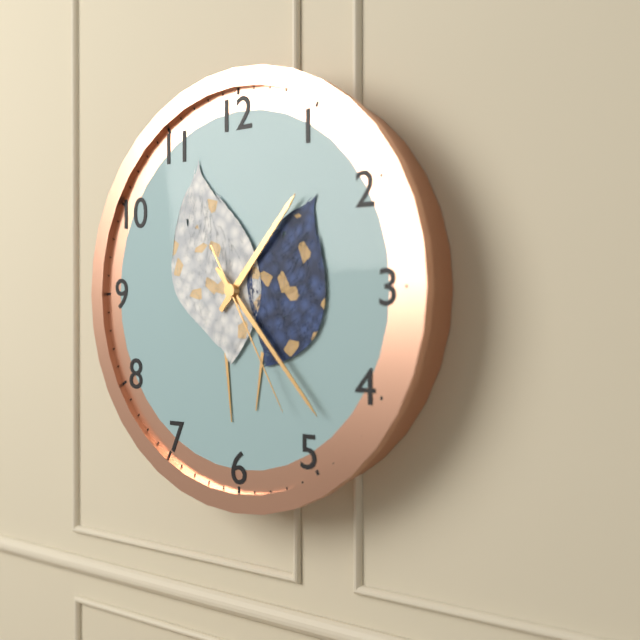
1:23:25
